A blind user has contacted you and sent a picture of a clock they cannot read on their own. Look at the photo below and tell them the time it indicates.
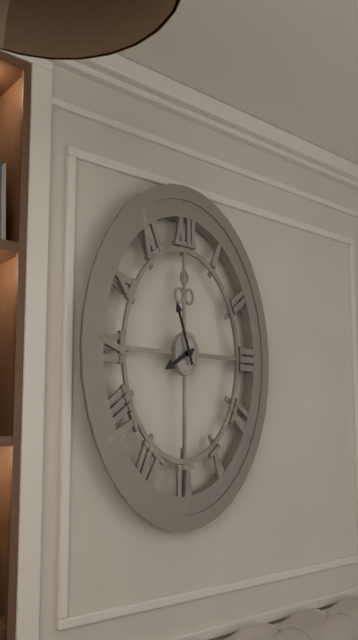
7:57
